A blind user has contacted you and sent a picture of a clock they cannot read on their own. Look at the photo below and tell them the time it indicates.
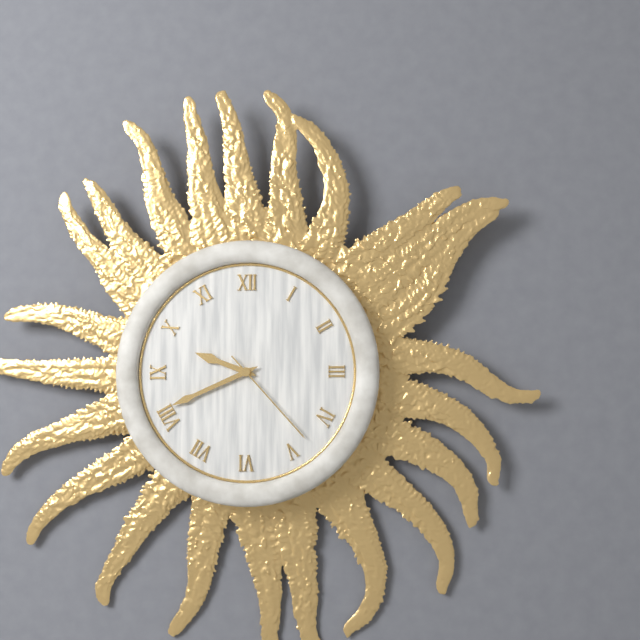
9:41:23
